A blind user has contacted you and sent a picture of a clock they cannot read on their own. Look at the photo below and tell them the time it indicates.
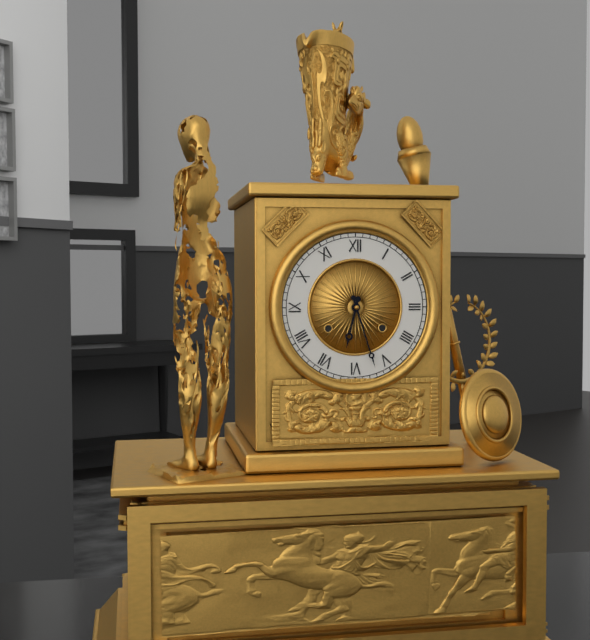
6:27
